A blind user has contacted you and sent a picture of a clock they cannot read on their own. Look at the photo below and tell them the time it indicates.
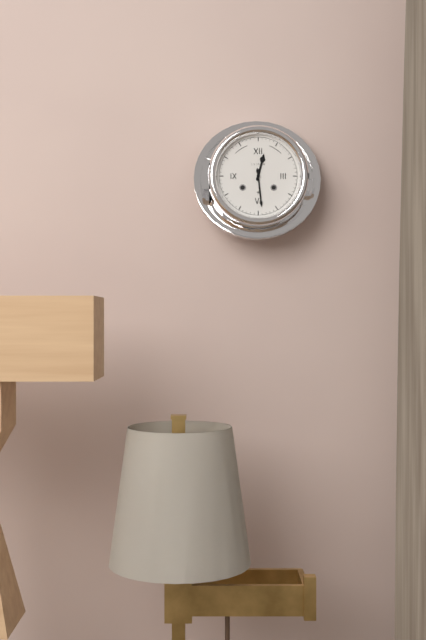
12:29
